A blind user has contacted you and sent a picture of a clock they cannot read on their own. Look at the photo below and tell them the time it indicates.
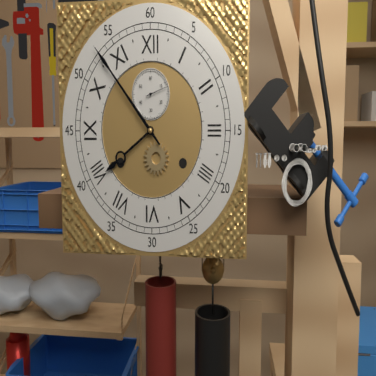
7:53
